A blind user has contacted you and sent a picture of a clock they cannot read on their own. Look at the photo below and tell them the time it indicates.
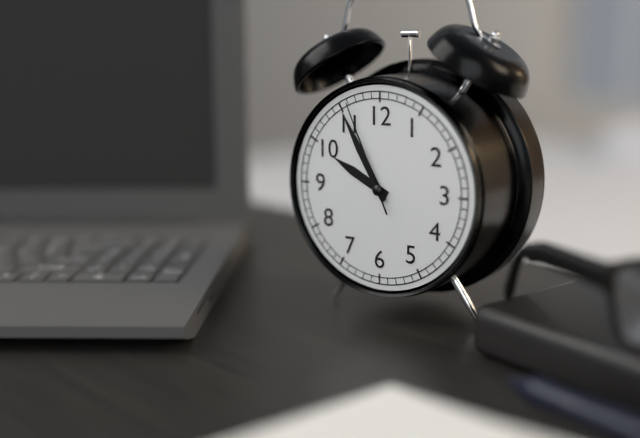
9:55:56
